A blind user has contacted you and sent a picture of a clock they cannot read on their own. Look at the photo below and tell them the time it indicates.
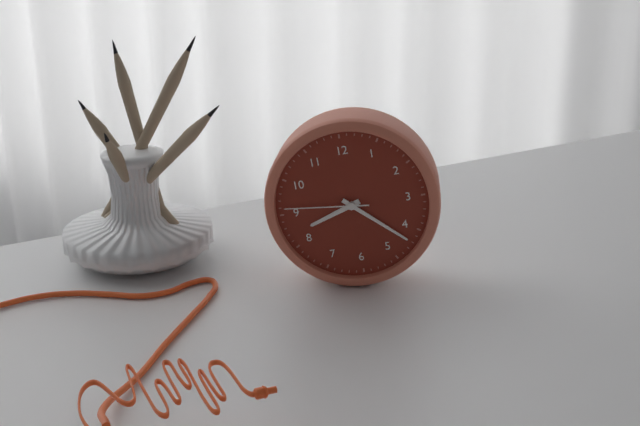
8:22:46
